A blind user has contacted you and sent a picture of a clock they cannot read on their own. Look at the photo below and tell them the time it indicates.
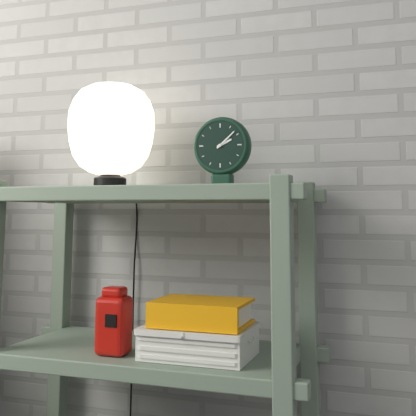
2:08
